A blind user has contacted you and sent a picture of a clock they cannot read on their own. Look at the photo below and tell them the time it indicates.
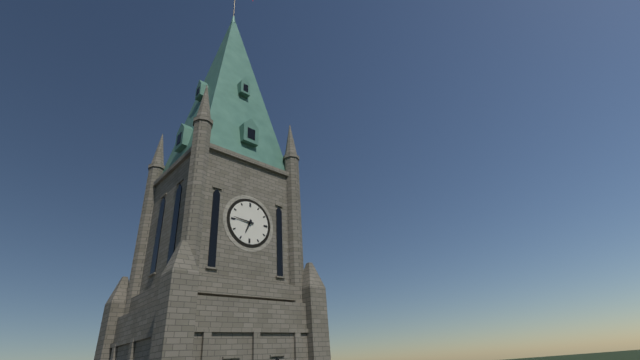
6:46
